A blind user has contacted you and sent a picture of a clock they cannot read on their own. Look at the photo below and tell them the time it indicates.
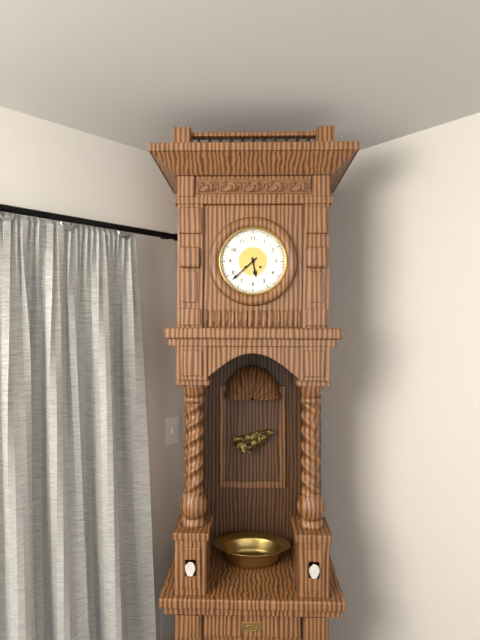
5:38
